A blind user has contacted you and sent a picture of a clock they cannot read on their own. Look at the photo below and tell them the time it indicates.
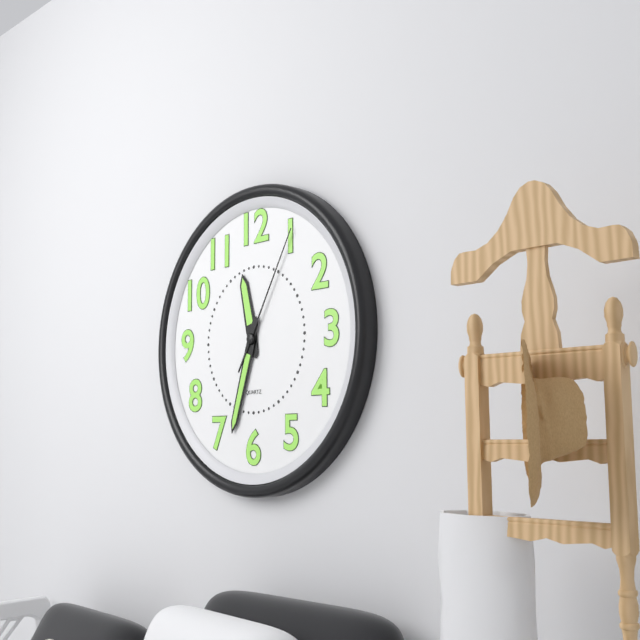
11:33:05
